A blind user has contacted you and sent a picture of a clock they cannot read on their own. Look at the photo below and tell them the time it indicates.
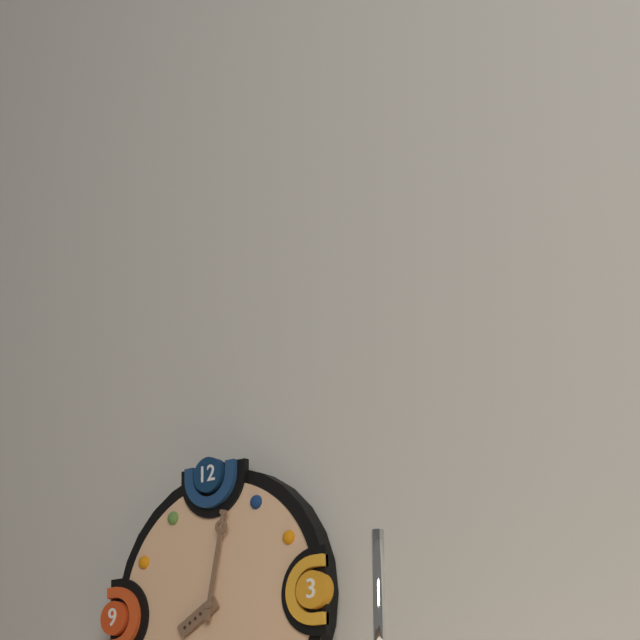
8:02
